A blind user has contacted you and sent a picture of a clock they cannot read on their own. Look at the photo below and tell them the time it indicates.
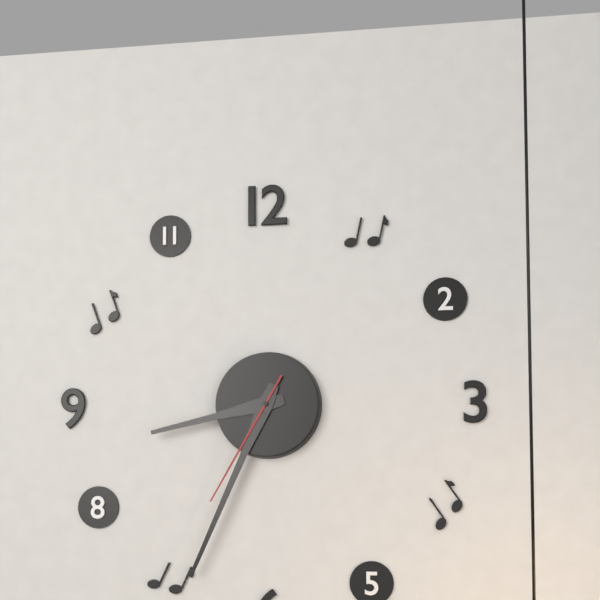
8:34:35
